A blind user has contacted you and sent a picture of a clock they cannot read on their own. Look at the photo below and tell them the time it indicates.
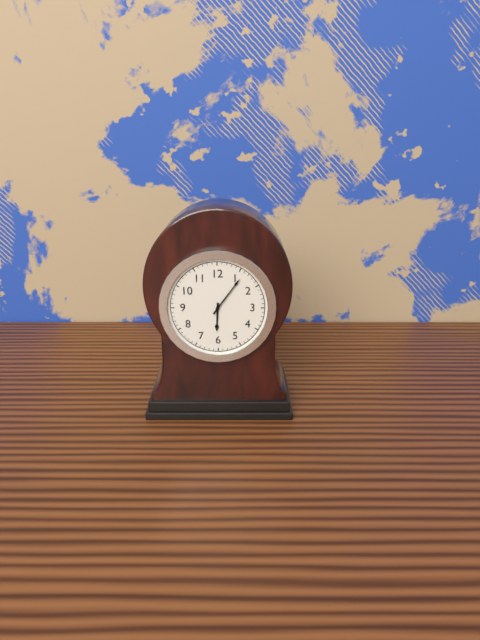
6:06
